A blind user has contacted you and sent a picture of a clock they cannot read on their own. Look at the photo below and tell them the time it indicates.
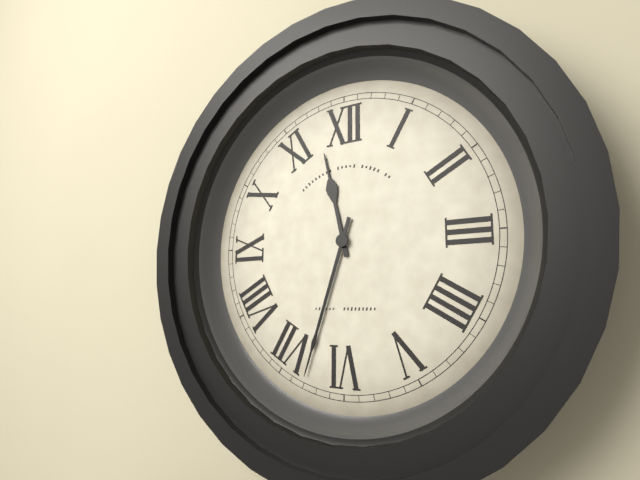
11:33
